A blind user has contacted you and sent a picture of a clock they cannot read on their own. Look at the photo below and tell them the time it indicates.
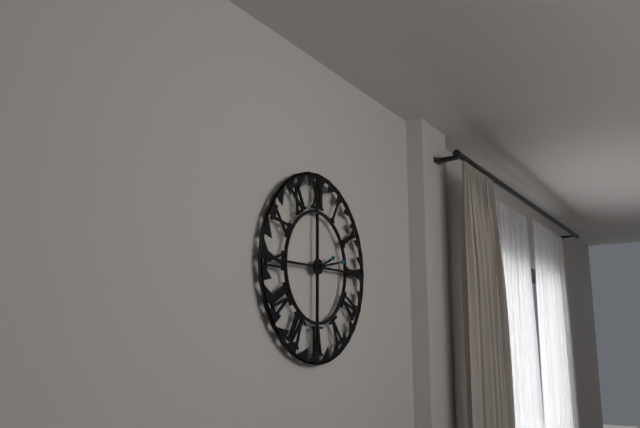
2:13
